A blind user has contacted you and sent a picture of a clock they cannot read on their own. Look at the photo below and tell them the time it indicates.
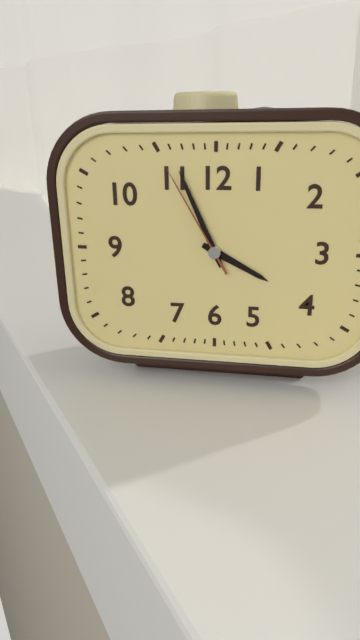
3:56:55
